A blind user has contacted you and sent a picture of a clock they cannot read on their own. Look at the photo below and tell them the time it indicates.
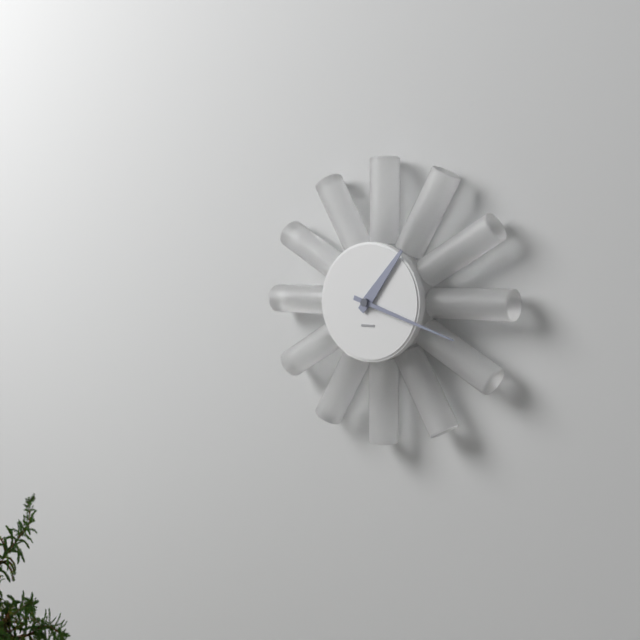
1:18
